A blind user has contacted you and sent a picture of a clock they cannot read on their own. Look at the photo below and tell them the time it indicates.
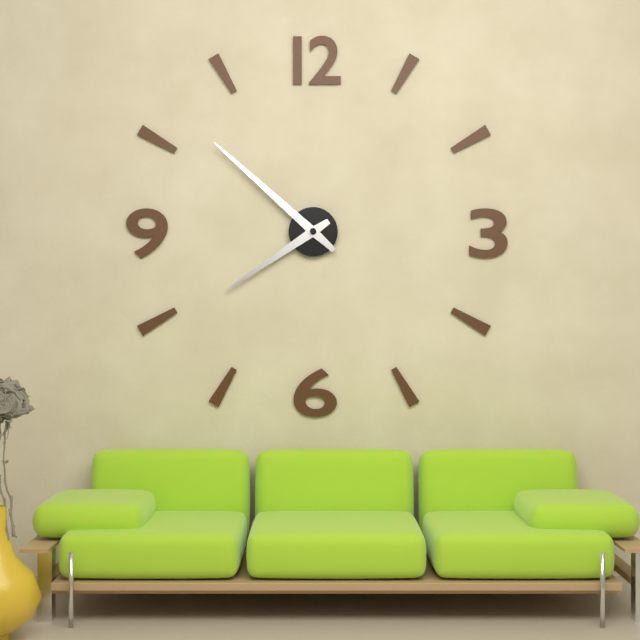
7:52
